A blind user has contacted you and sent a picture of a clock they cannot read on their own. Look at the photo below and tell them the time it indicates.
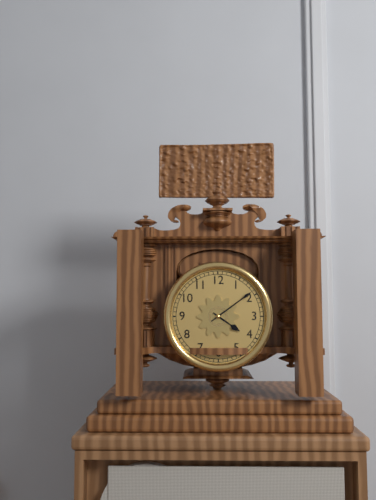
4:09
